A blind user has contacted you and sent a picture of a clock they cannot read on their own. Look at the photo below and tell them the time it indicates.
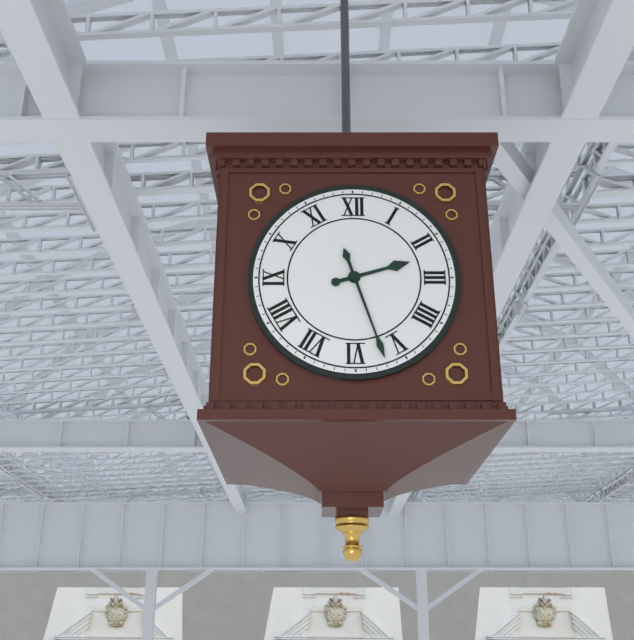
2:27
